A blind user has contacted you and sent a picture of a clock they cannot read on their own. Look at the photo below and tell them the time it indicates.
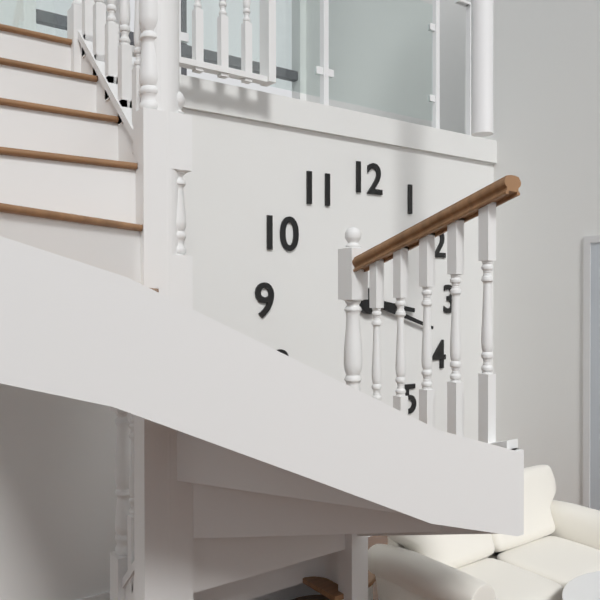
3:18
